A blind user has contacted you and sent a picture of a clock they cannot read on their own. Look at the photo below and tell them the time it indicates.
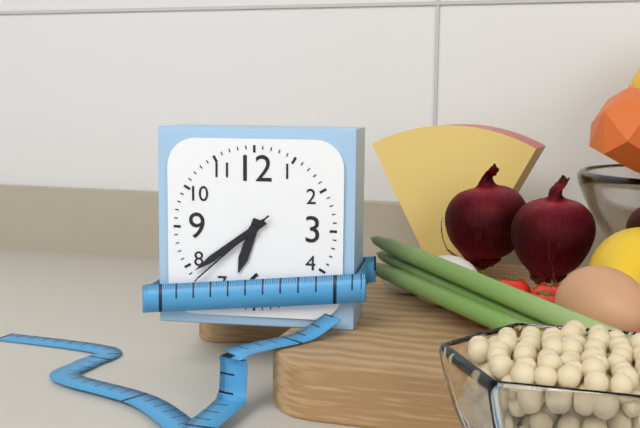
6:39:38
